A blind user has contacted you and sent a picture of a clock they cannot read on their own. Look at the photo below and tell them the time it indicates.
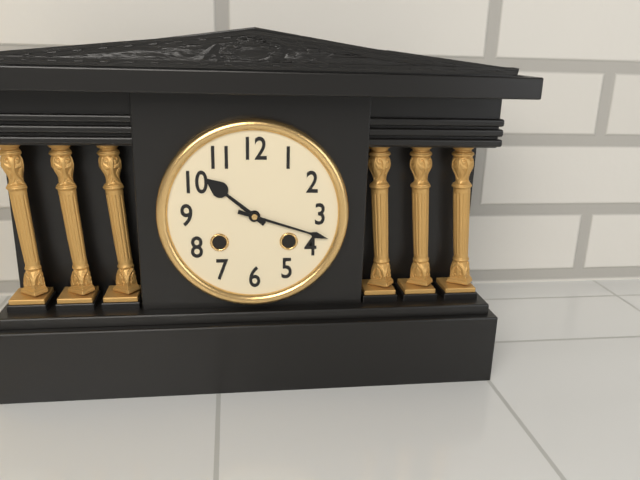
10:18
